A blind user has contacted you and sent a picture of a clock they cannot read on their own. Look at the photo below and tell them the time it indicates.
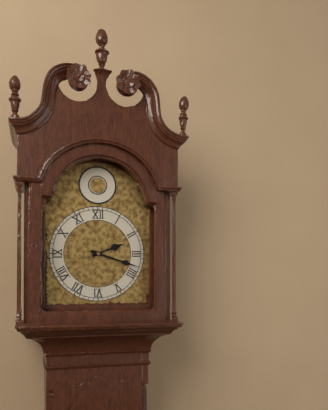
2:18
